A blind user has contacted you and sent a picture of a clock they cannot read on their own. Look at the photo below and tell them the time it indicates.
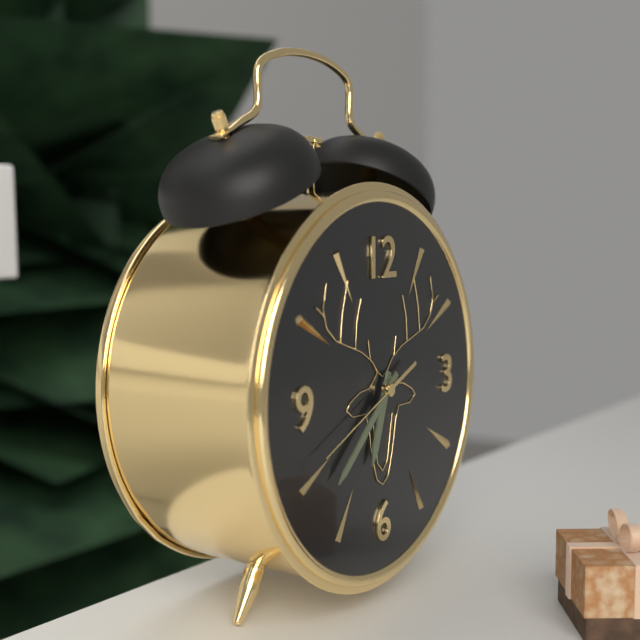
6:38:41
